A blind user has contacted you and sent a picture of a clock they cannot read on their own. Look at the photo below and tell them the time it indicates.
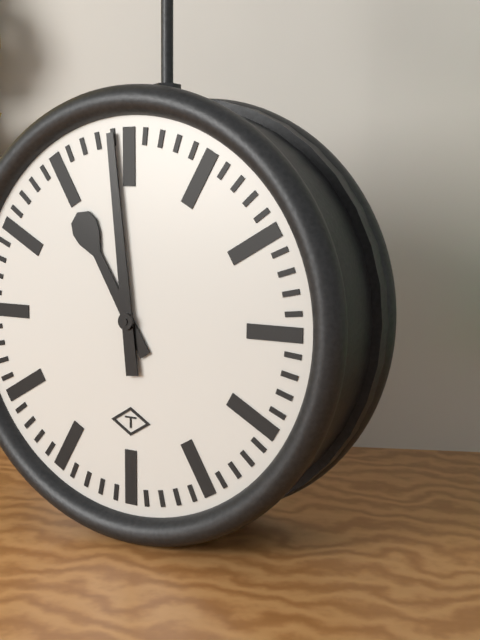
10:59
